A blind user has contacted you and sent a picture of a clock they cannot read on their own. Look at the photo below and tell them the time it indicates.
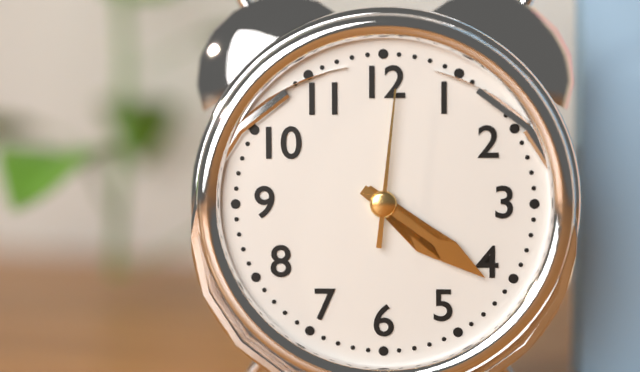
4:21:01
